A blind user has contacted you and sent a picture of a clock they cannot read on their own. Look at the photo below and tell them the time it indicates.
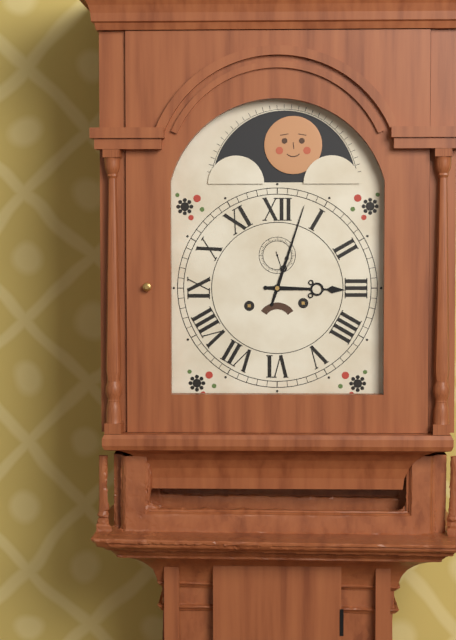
3:03
